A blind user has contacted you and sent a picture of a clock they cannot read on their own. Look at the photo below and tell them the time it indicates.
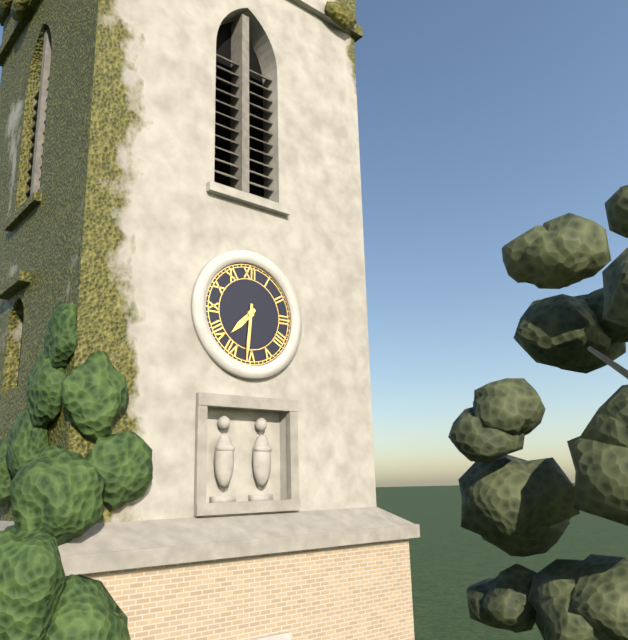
7:31
